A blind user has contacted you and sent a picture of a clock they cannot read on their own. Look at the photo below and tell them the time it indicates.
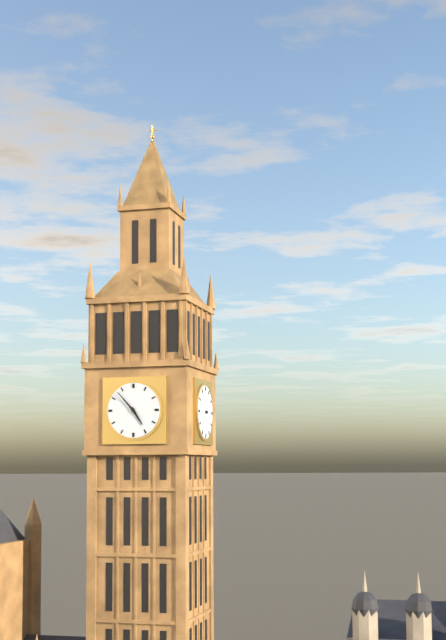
4:53
